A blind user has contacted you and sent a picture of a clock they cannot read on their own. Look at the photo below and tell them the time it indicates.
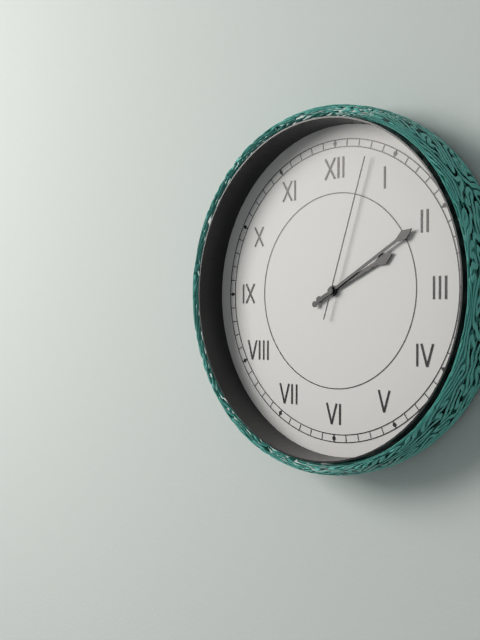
2:10:03
